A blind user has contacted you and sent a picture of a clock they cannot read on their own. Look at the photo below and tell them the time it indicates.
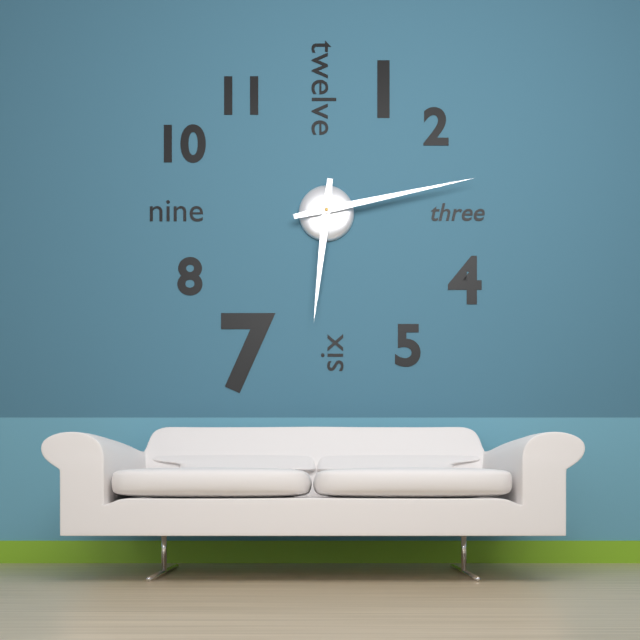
6:13
